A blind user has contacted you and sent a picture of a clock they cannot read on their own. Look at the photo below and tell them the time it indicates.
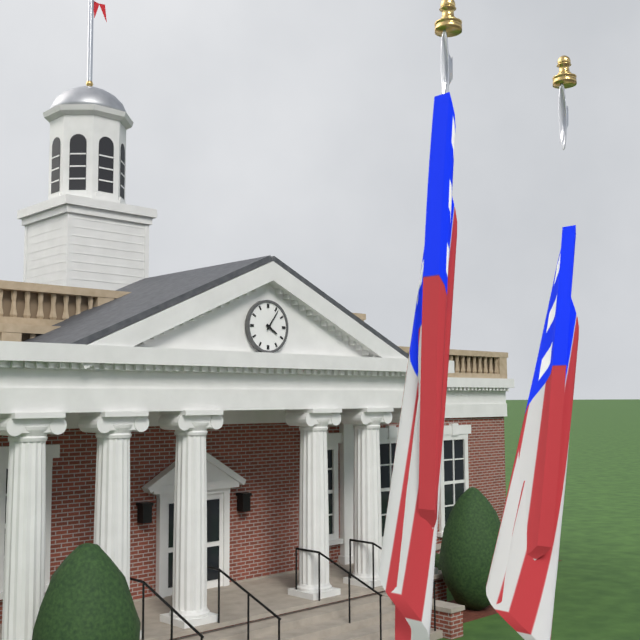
4:06
